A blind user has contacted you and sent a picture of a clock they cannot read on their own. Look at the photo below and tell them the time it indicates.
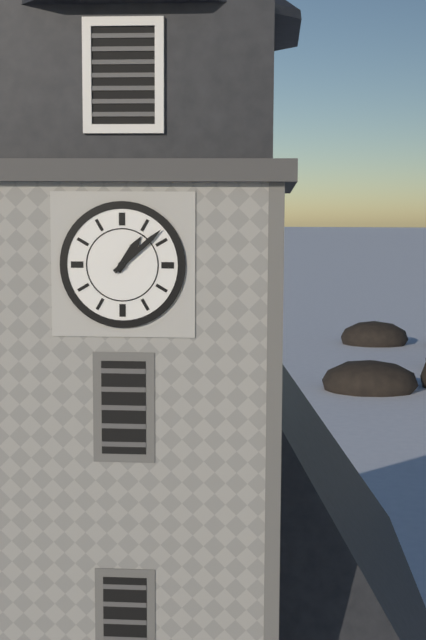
1:08
